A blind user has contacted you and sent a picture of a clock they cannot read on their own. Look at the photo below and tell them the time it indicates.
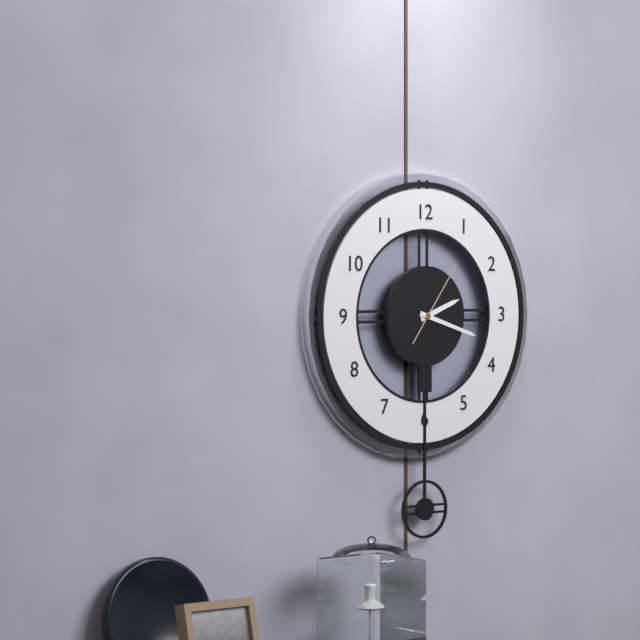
2:18:06
